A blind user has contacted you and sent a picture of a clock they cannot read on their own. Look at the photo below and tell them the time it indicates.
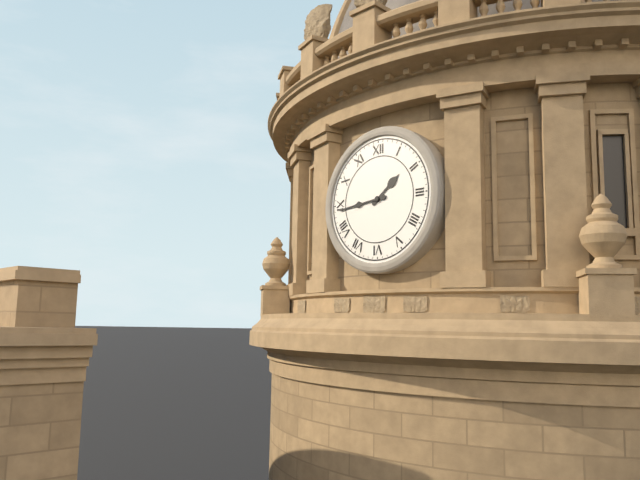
1:44
